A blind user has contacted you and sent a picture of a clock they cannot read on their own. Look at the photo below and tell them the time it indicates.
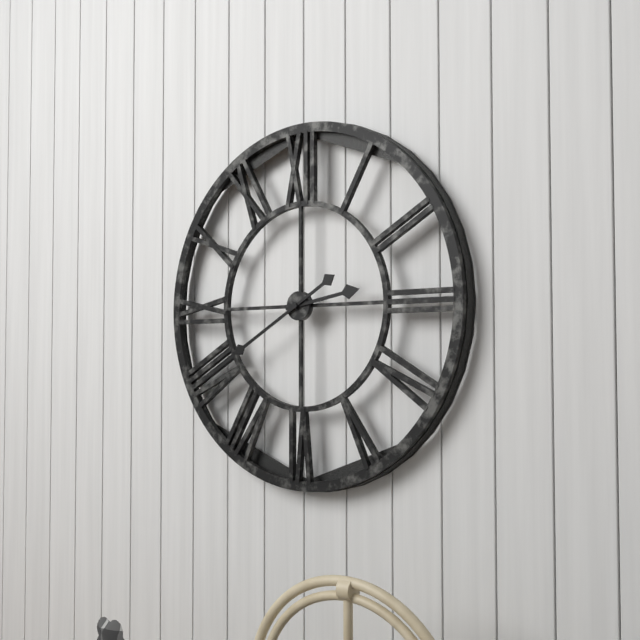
2:40
